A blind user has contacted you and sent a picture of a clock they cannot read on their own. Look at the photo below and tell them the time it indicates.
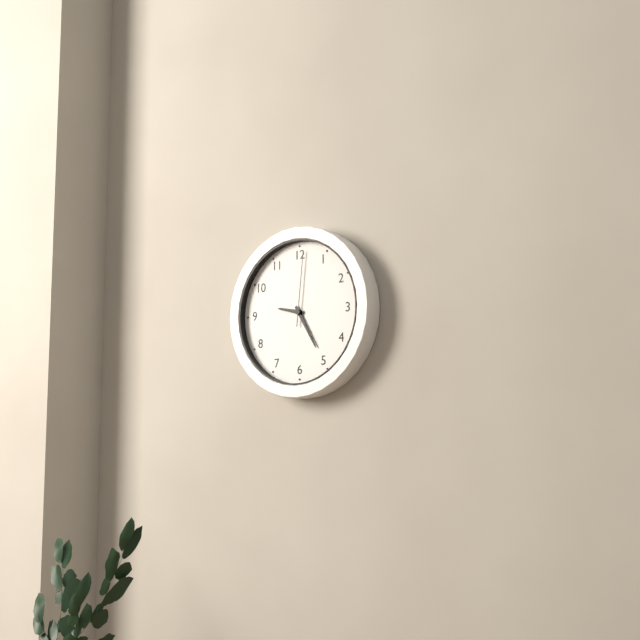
9:25:01
